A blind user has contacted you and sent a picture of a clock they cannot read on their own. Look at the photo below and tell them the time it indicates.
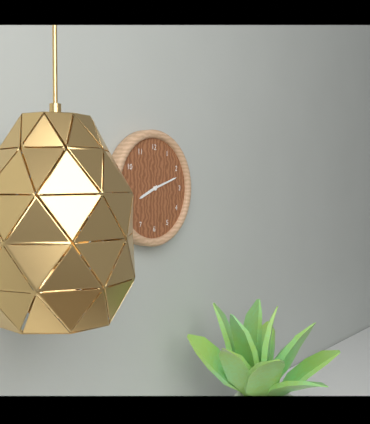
8:12
